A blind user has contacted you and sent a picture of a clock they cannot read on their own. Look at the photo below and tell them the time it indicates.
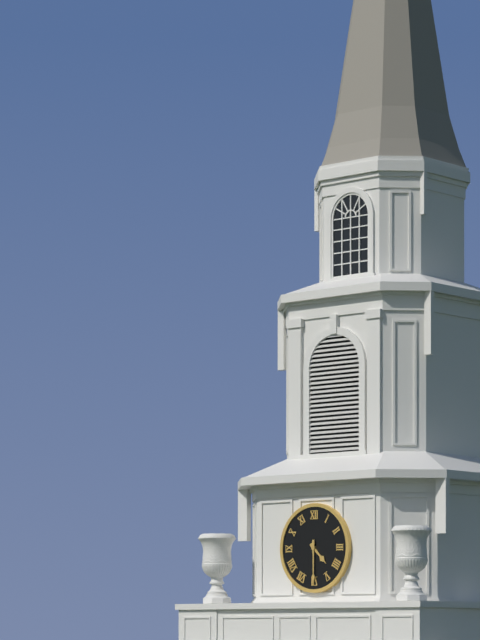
4:30
